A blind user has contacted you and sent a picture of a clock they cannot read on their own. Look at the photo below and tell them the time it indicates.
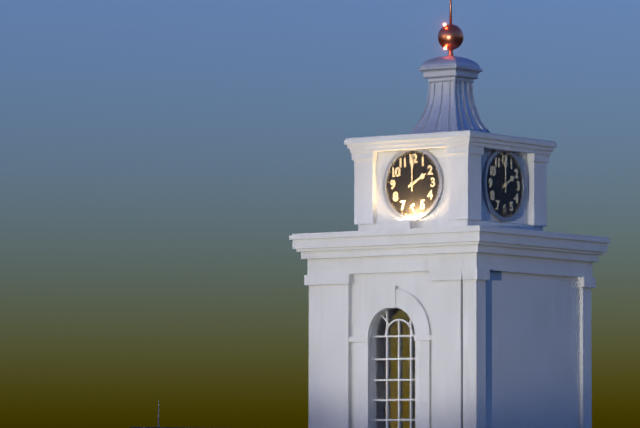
2:00
